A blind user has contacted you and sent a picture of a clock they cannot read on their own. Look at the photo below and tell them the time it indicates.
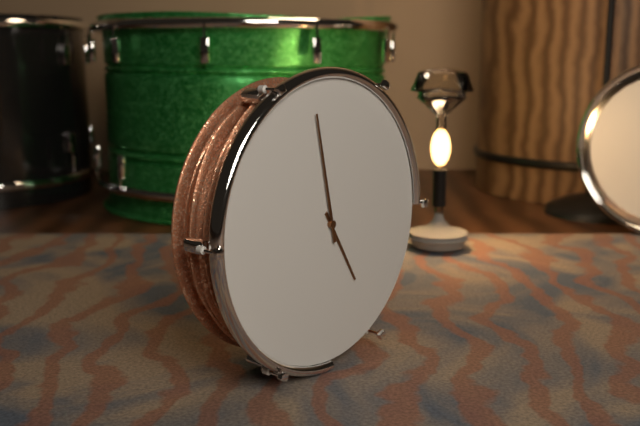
4:58
